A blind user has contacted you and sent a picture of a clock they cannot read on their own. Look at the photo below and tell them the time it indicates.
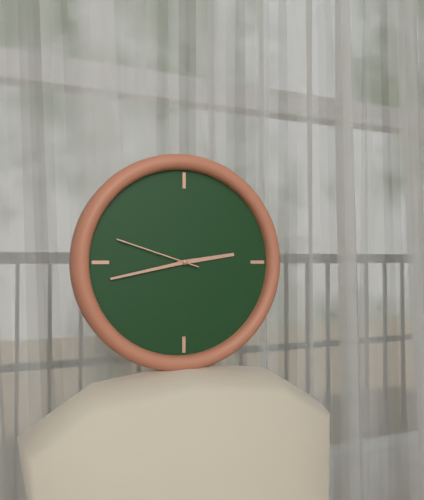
2:43:48
